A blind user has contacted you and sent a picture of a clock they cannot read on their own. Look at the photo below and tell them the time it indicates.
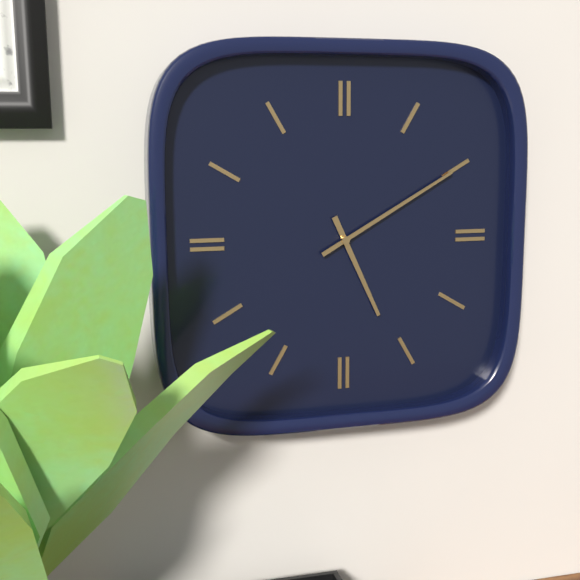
5:10
